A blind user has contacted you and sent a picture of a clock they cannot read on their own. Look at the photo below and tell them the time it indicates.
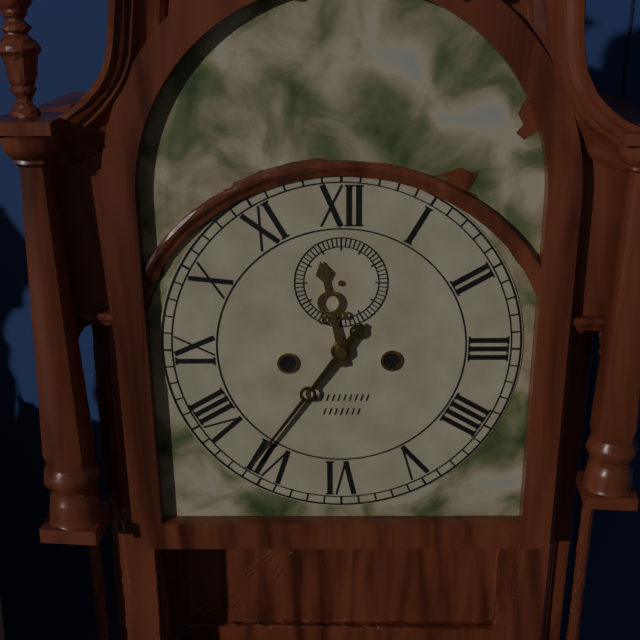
11:36
